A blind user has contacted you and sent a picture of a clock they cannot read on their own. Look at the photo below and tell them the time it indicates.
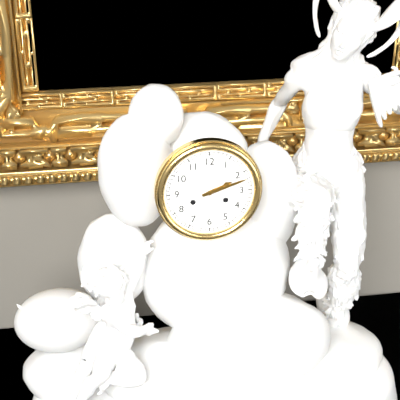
2:12
